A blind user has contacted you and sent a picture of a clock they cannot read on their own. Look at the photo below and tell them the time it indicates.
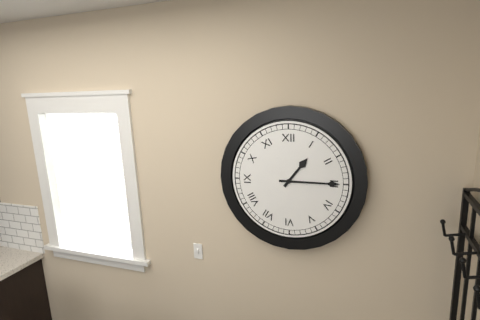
1:15
